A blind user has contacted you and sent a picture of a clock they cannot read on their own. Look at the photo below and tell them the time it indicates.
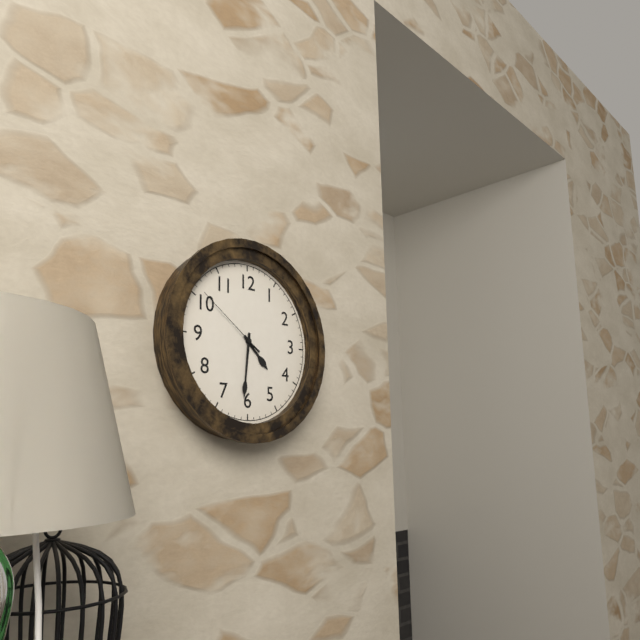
4:31:51
